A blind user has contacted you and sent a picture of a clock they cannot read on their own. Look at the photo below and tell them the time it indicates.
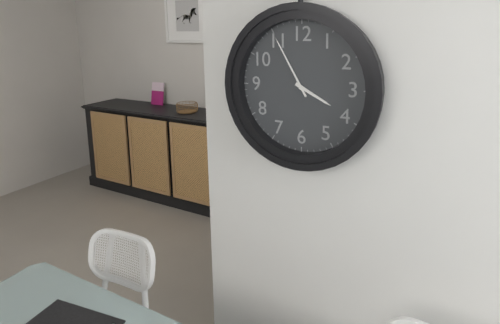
3:55
